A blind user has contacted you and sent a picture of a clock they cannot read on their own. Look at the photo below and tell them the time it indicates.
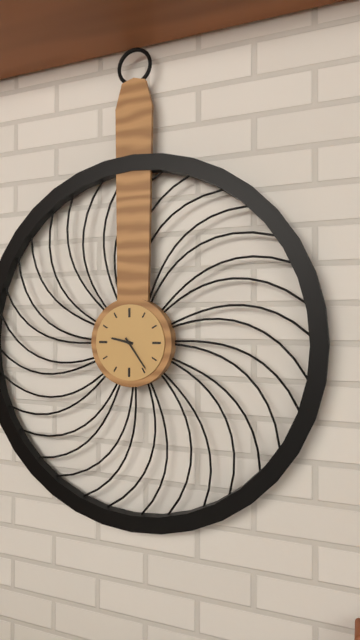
9:24
